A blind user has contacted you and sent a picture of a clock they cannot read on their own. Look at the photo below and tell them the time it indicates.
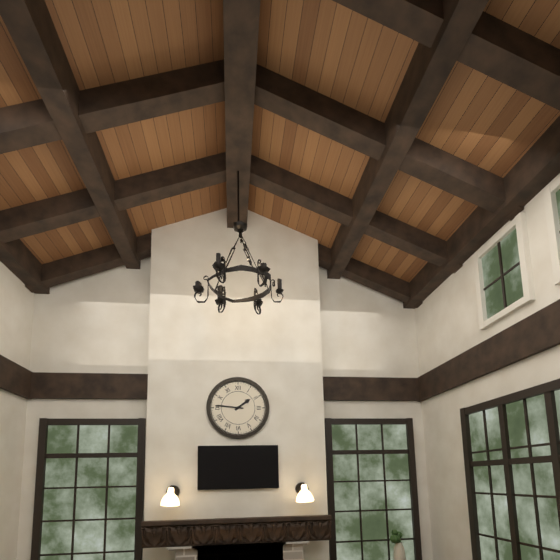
1:46
